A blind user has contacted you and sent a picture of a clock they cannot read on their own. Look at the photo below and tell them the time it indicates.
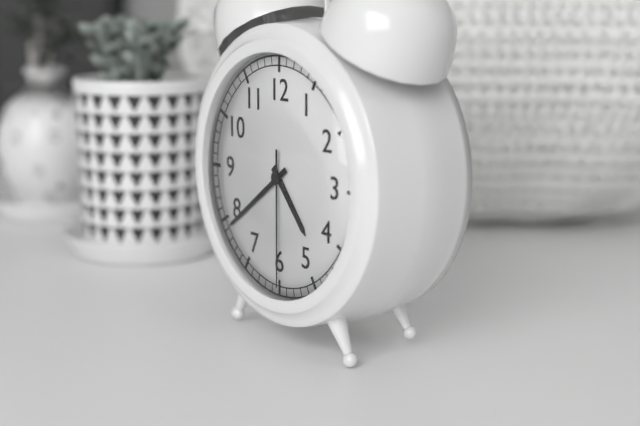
4:39:30
